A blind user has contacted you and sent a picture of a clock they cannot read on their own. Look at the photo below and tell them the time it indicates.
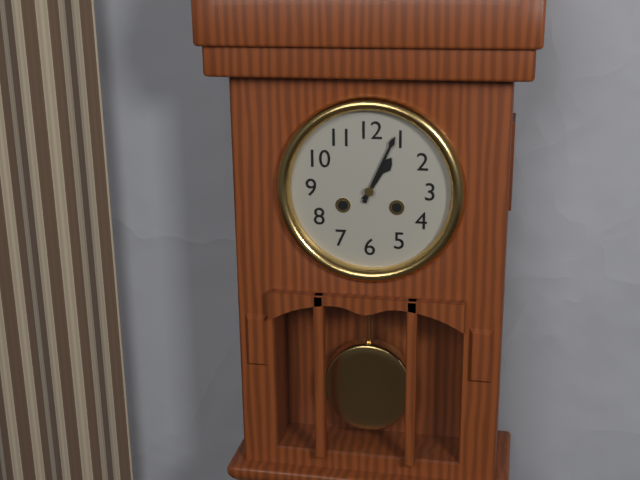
1:04
